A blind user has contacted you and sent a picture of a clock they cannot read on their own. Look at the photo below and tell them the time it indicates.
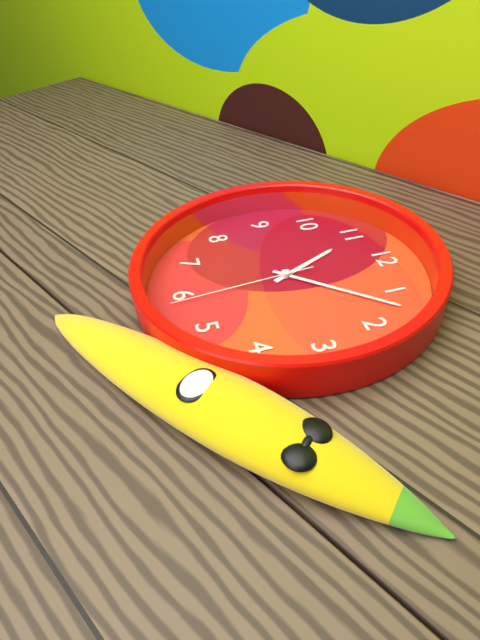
11:07:29
